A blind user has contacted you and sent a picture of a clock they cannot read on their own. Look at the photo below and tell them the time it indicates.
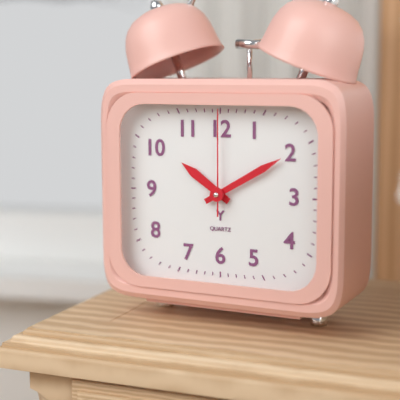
10:10:00
